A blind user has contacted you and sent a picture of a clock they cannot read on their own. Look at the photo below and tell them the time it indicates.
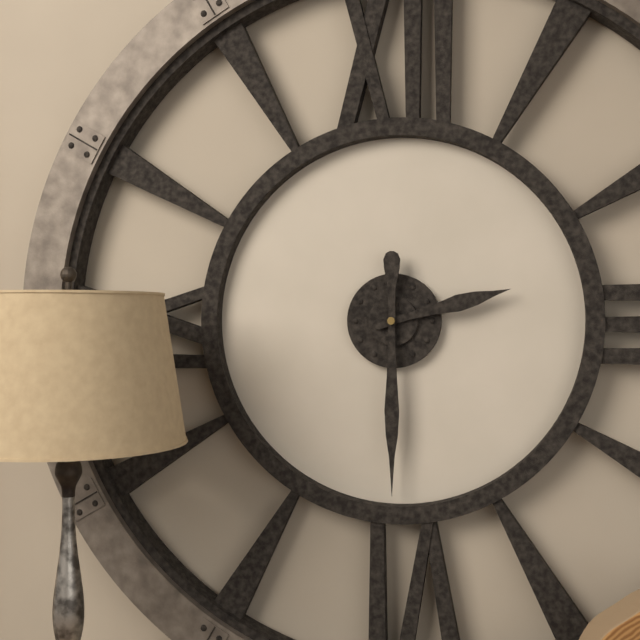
2:30
